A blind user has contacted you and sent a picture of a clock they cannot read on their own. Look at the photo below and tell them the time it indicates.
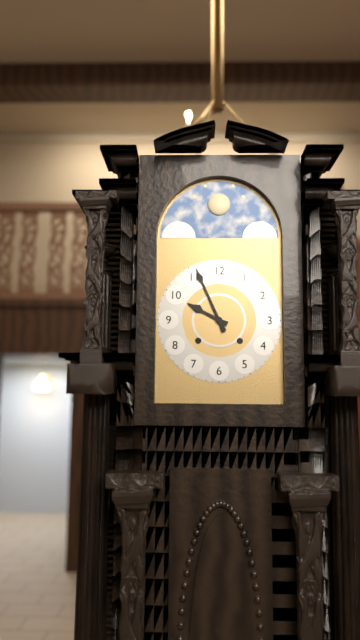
9:56
